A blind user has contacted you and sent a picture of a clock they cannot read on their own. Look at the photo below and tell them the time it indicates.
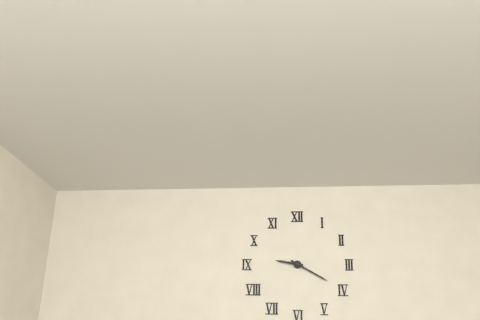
9:20
